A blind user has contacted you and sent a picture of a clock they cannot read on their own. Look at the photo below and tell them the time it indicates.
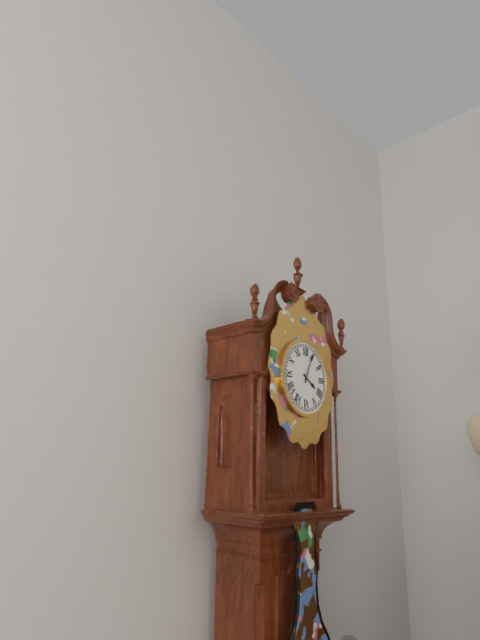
4:04
